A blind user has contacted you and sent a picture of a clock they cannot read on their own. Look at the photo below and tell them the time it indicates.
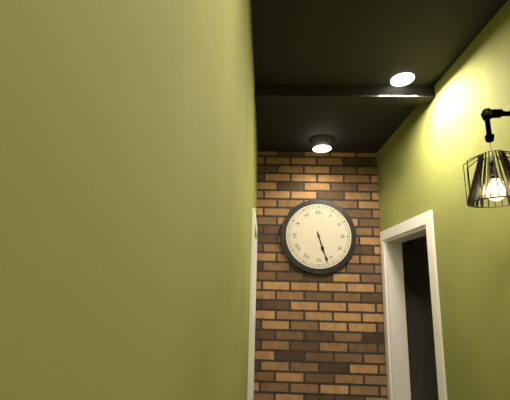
5:27
